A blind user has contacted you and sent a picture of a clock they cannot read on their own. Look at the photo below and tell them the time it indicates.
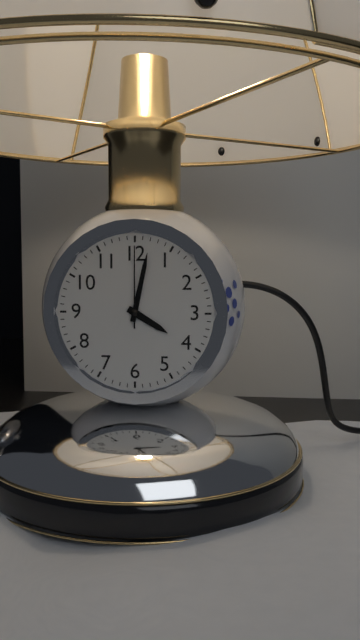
4:02:00
